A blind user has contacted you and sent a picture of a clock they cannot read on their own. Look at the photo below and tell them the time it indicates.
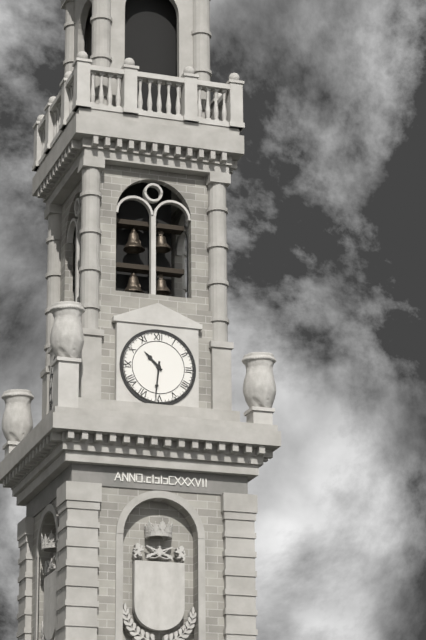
10:31
